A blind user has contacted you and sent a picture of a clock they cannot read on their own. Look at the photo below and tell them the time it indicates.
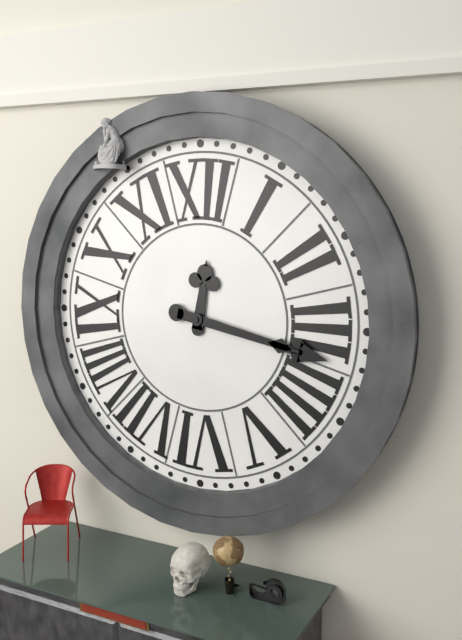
12:17
